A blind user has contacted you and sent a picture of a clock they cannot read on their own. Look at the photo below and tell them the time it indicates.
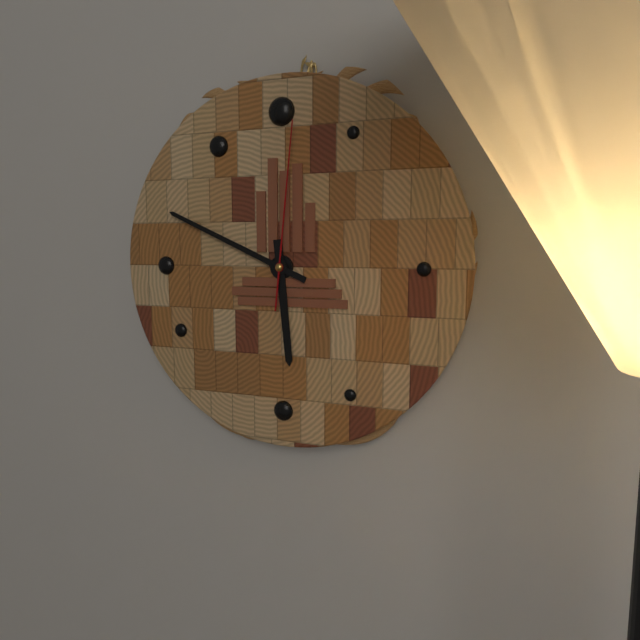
5:49:01
